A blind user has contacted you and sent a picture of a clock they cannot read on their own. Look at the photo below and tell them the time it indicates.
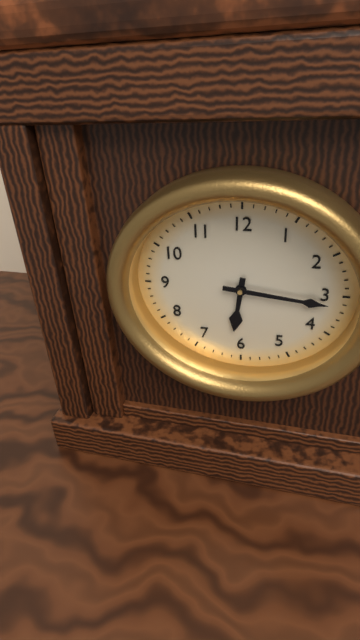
6:16
